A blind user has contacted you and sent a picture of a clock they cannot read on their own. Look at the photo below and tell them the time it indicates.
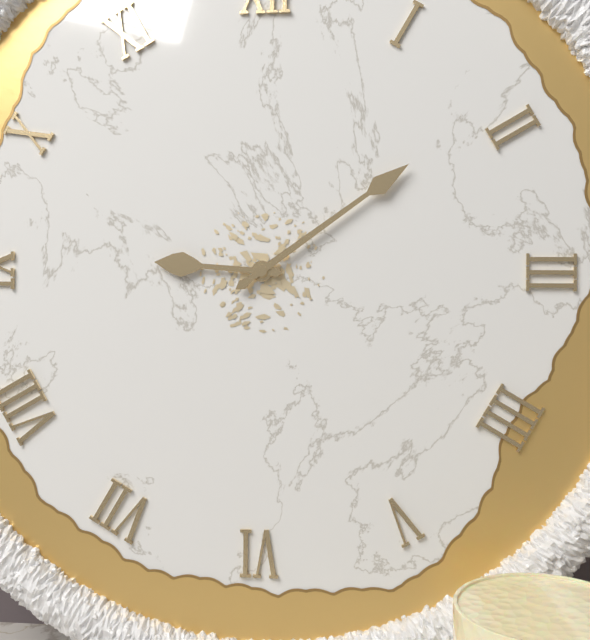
9:09
